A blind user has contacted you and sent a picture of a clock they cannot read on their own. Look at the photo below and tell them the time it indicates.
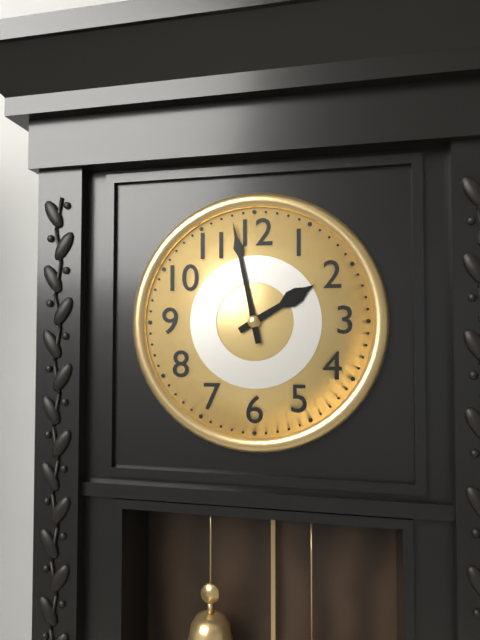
1:58
